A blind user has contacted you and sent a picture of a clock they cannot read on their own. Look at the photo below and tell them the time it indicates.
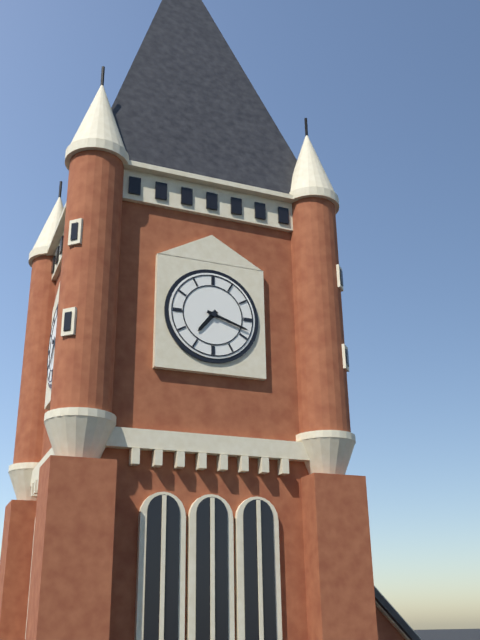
7:18
